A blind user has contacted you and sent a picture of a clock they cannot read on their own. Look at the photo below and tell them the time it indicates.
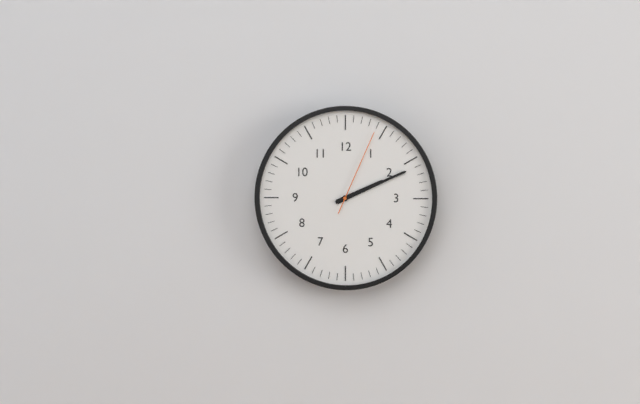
2:11:04
